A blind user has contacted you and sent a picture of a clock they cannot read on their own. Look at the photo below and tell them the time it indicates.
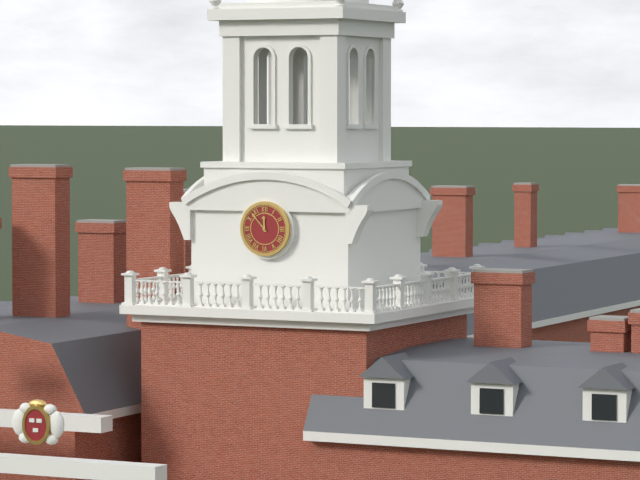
11:53
